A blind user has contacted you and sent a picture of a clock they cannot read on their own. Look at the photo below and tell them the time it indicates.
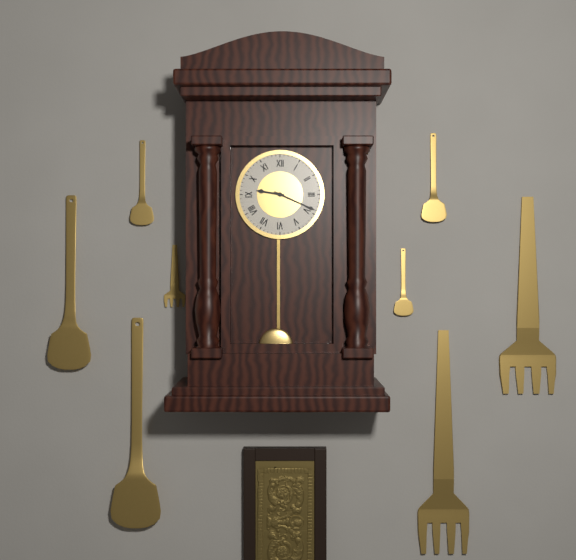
9:19
